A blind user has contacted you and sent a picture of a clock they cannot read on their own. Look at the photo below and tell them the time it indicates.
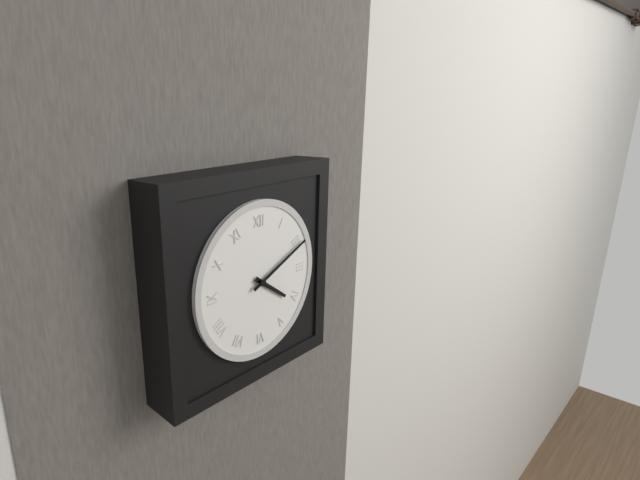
4:11
